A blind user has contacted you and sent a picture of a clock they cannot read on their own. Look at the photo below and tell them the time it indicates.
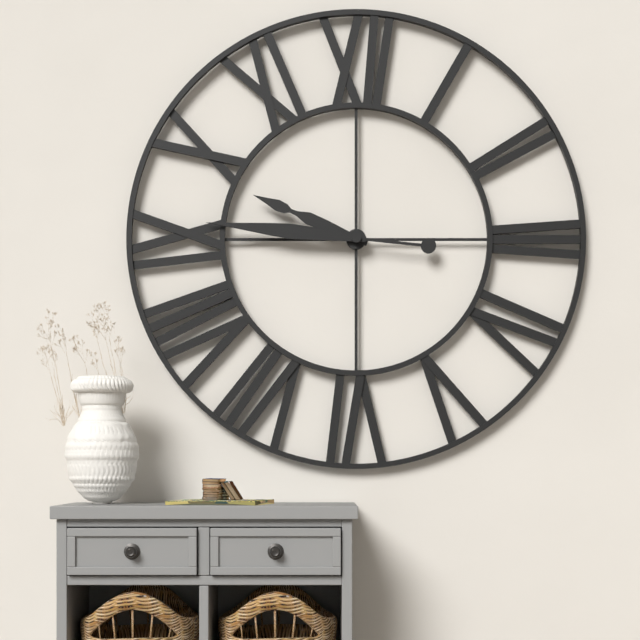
9:46
